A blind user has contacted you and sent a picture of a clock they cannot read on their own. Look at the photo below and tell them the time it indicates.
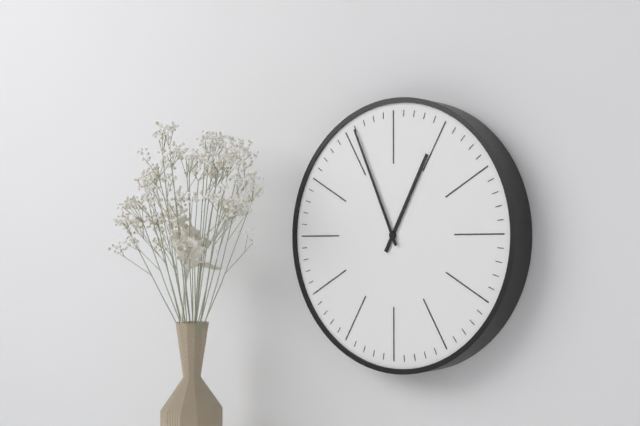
12:56
